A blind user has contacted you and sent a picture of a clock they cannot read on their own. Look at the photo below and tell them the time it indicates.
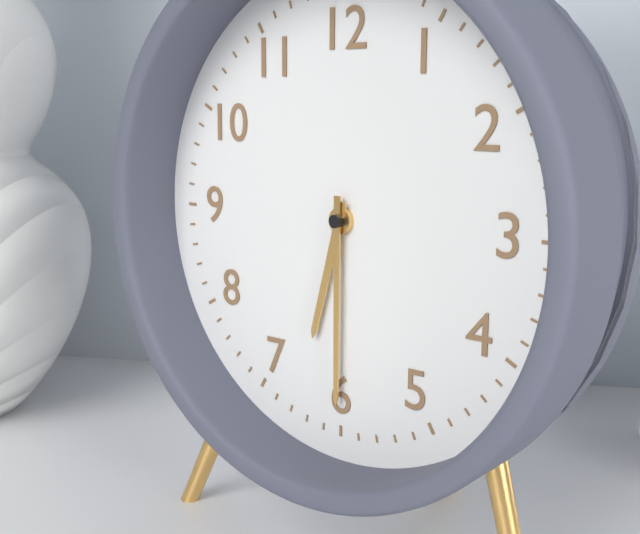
6:30
